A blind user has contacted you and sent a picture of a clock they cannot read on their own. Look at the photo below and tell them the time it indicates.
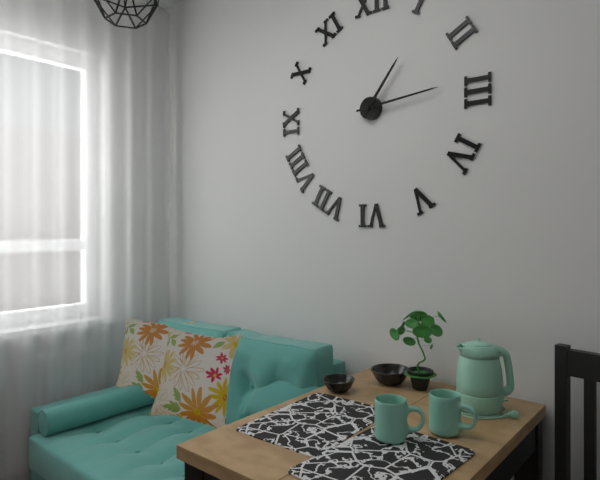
1:14
